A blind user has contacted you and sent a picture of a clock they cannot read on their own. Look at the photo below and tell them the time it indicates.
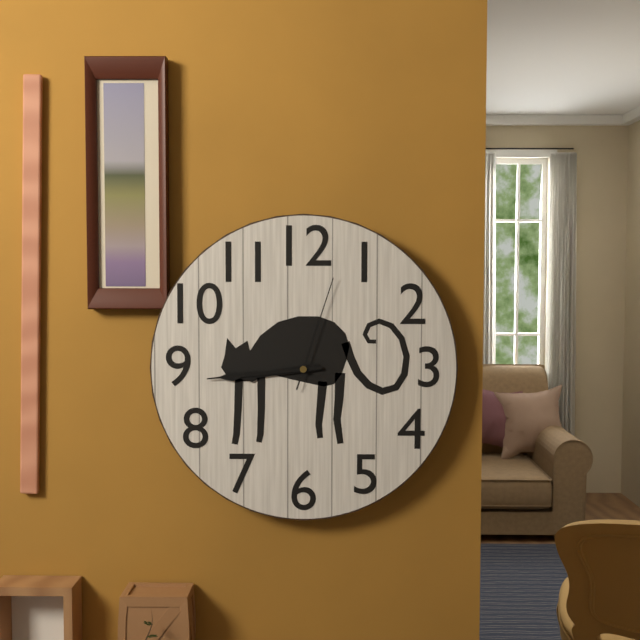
8:44:03
